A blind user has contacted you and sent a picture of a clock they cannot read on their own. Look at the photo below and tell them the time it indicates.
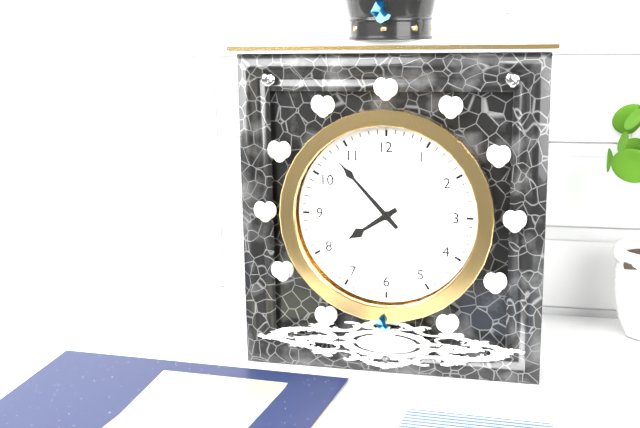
7:53
